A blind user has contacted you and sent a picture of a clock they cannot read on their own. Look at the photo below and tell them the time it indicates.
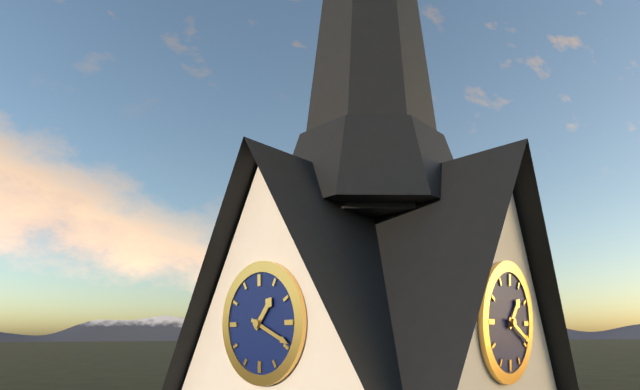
1:19
